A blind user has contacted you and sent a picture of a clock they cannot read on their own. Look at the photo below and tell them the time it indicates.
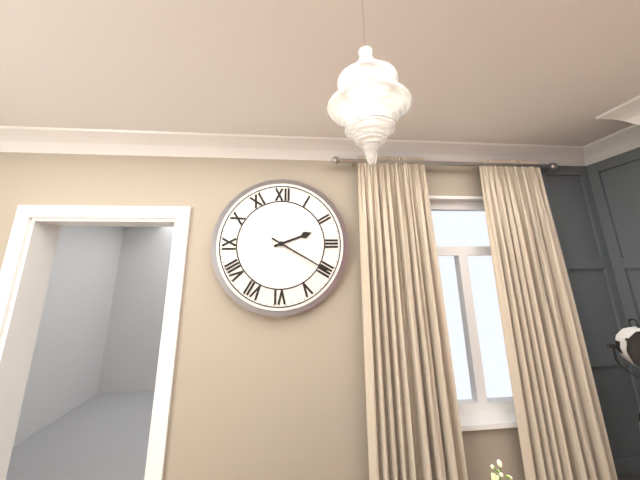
2:20
